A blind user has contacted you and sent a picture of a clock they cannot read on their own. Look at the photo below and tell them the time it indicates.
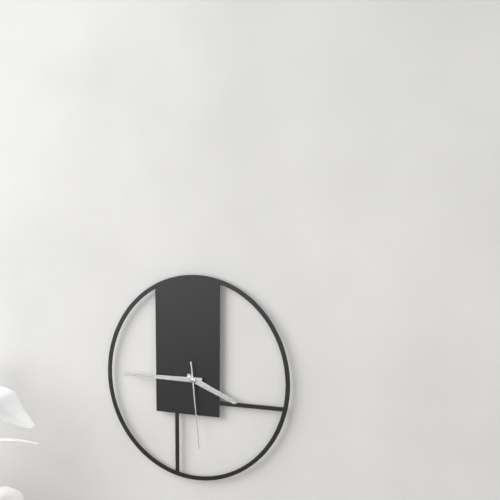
3:45:29
